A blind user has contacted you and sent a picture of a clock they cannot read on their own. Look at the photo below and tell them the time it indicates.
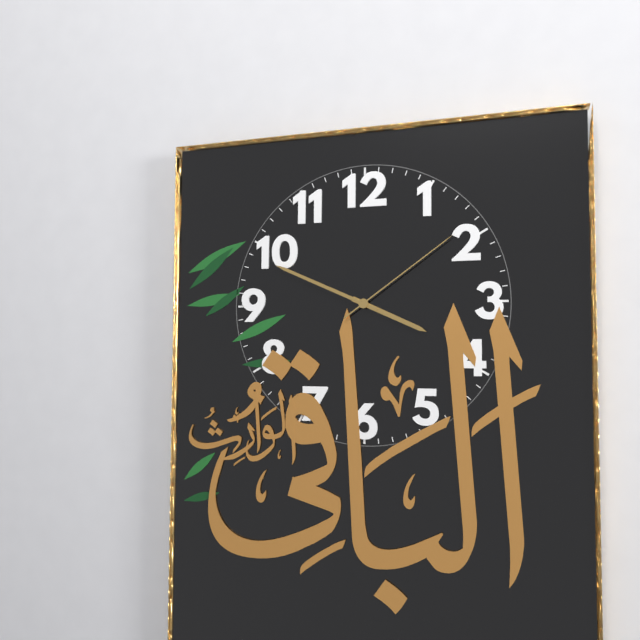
3:49:09
